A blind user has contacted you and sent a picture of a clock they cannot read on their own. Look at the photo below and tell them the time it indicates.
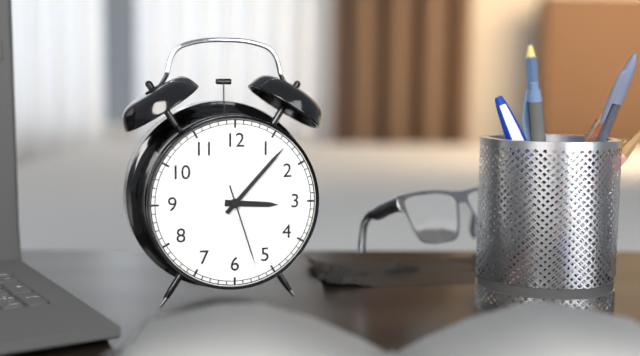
3:07:27
